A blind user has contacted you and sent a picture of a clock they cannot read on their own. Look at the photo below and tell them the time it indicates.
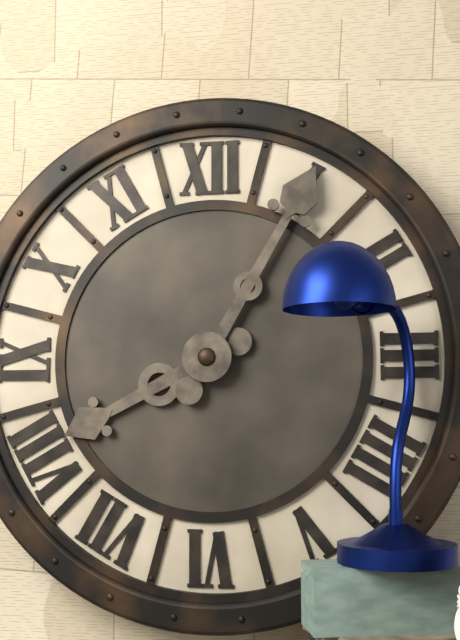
8:05
